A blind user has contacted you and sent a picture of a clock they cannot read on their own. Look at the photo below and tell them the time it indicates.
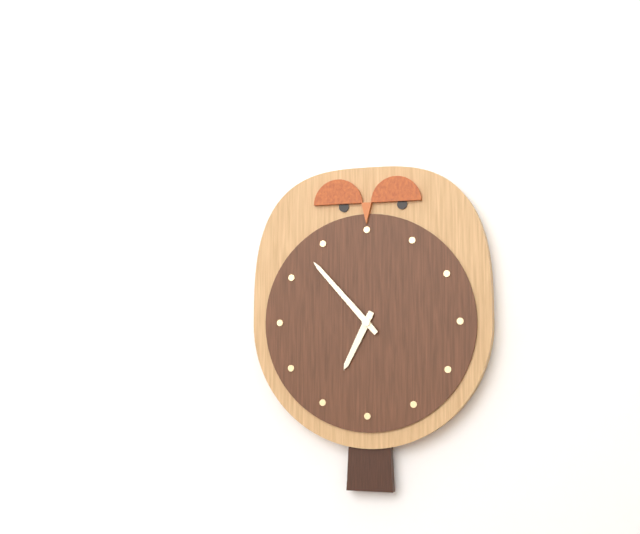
6:53
